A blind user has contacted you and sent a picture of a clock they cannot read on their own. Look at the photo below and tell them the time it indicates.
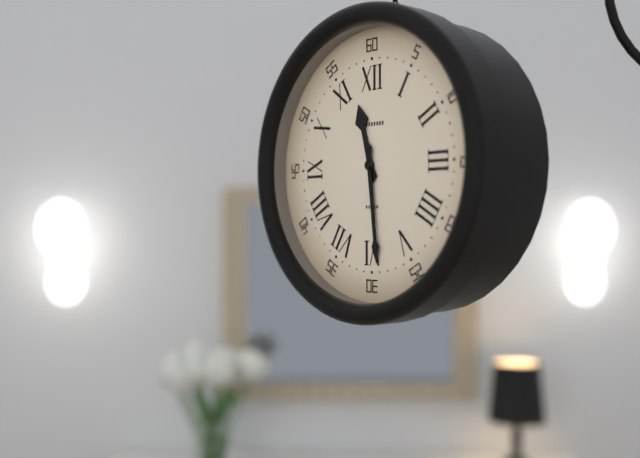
11:29
